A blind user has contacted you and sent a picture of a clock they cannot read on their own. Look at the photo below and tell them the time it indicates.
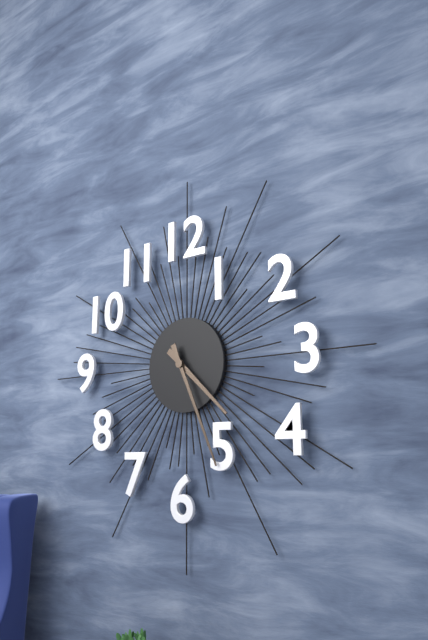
4:26
